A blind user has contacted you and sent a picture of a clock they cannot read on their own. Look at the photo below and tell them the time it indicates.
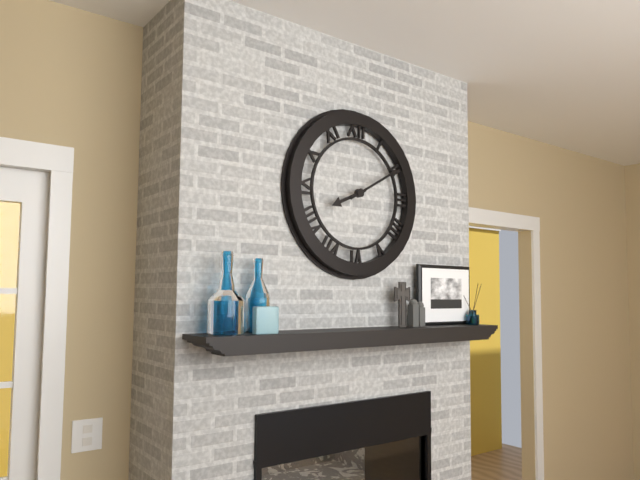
8:10
